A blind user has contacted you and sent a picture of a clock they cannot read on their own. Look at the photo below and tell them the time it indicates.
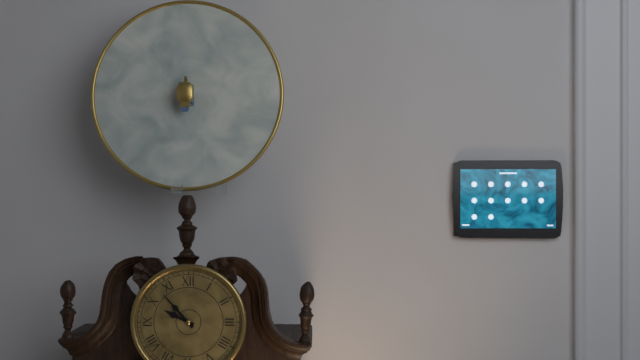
9:53
